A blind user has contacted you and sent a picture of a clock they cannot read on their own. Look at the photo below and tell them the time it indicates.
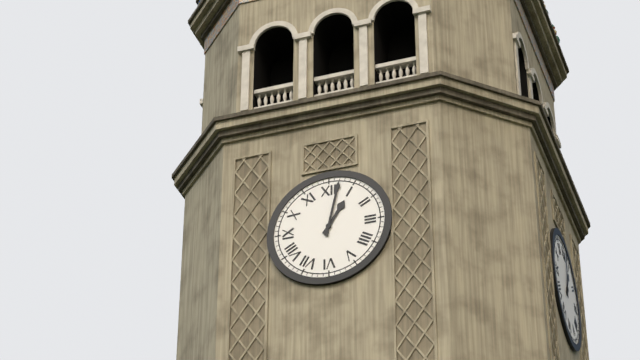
1:02
